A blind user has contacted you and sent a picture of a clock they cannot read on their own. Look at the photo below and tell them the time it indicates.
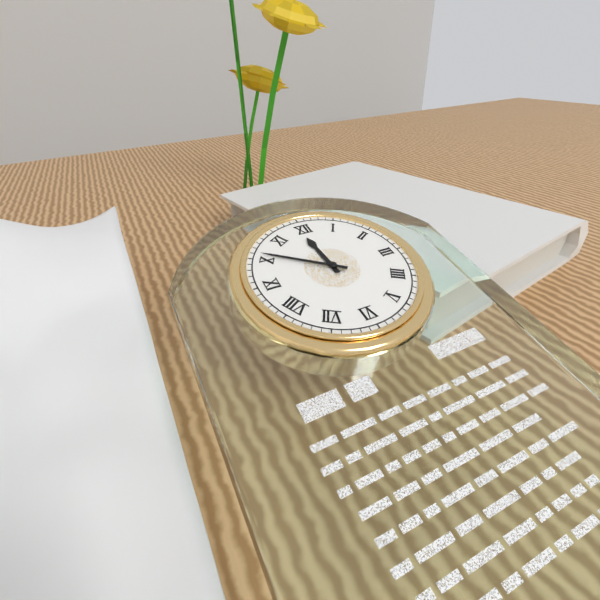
11:51
